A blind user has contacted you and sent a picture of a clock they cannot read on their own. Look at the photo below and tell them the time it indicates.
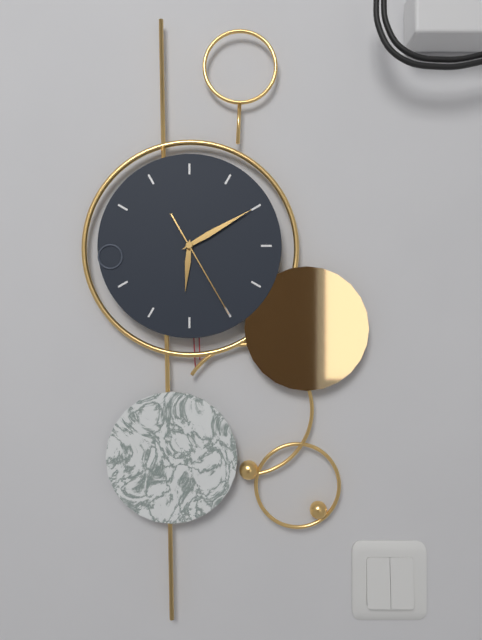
6:10:25
